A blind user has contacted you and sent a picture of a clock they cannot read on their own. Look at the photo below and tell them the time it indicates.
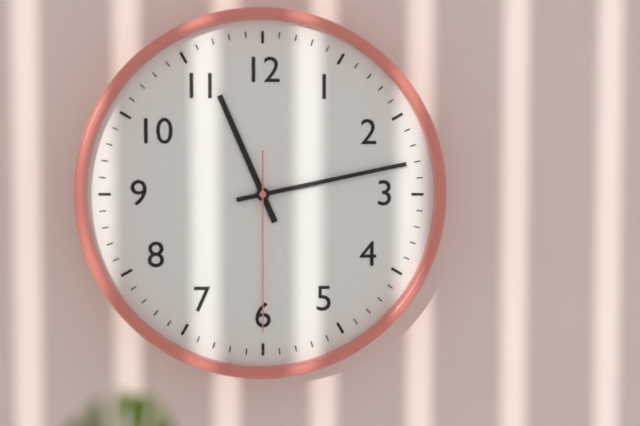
11:13:30
